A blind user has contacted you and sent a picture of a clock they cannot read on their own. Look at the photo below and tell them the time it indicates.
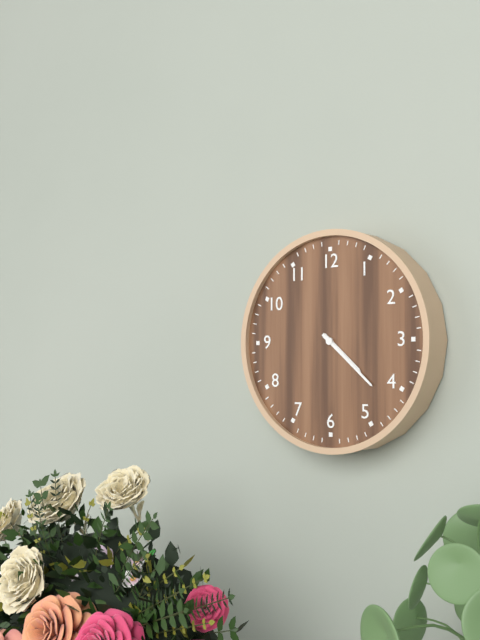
4:22
